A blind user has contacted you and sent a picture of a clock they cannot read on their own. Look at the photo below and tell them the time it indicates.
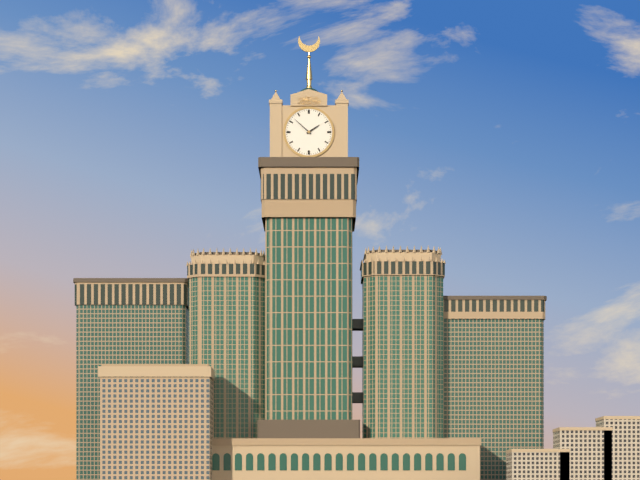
1:52
